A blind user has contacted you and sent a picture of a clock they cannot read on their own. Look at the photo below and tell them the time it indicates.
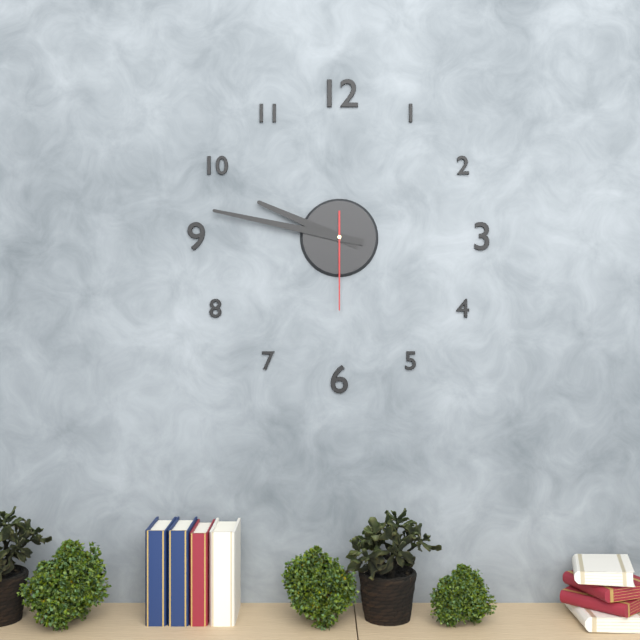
9:47:30
